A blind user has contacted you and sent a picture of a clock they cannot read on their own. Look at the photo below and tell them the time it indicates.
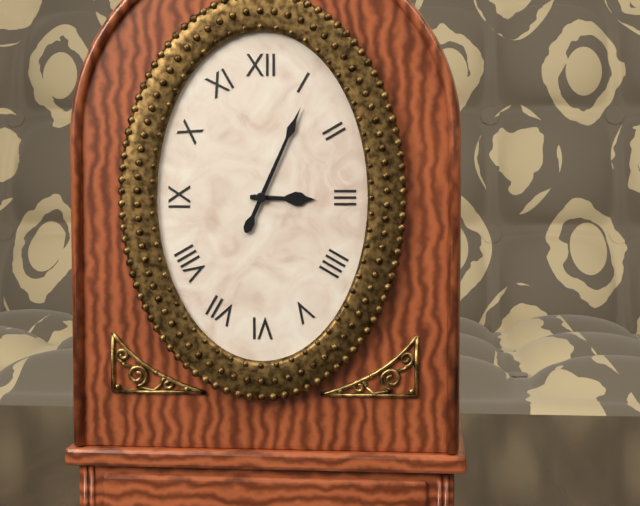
3:04
